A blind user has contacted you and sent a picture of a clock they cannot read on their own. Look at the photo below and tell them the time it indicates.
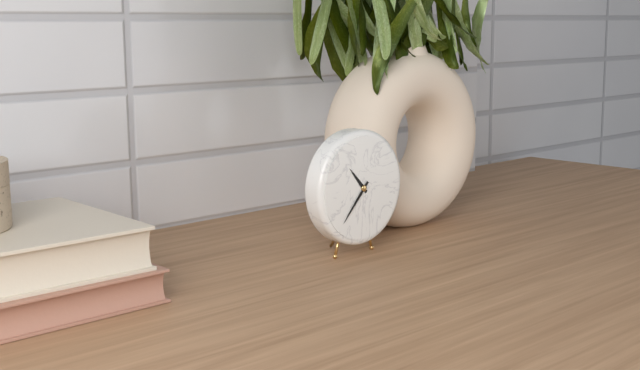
10:37
